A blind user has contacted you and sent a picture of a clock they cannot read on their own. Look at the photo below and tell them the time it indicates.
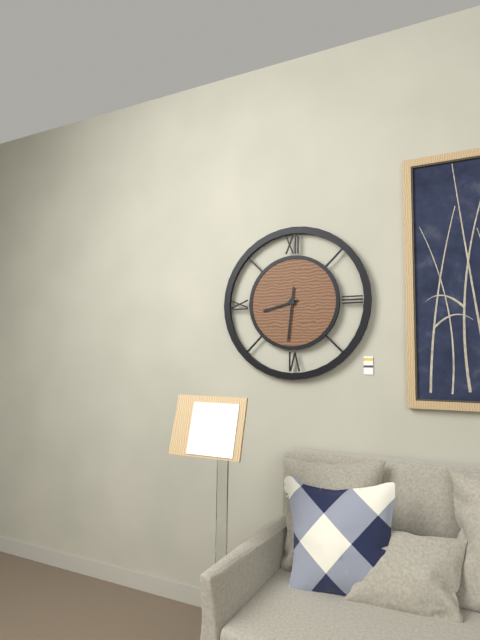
8:31
